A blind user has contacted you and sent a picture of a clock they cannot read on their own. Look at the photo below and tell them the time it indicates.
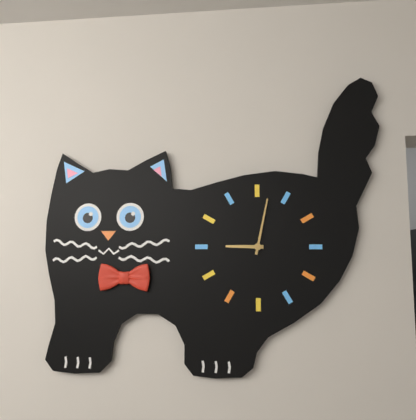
9:02
